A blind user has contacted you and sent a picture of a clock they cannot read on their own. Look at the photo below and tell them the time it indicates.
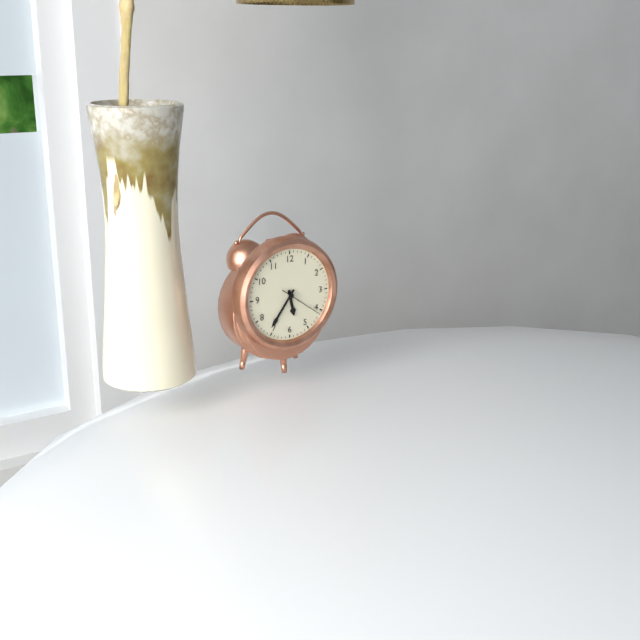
5:36
